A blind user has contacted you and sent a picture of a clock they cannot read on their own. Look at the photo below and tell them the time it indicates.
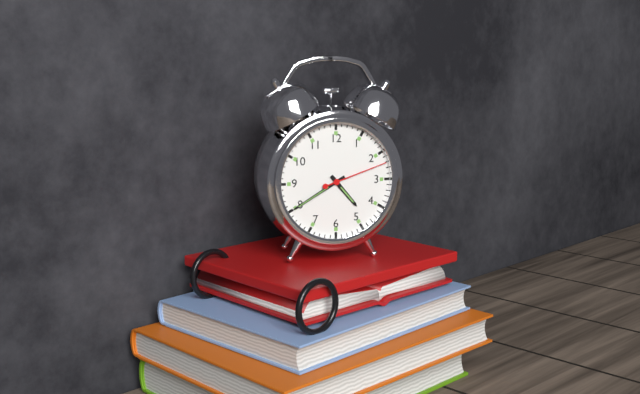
4:40:12
